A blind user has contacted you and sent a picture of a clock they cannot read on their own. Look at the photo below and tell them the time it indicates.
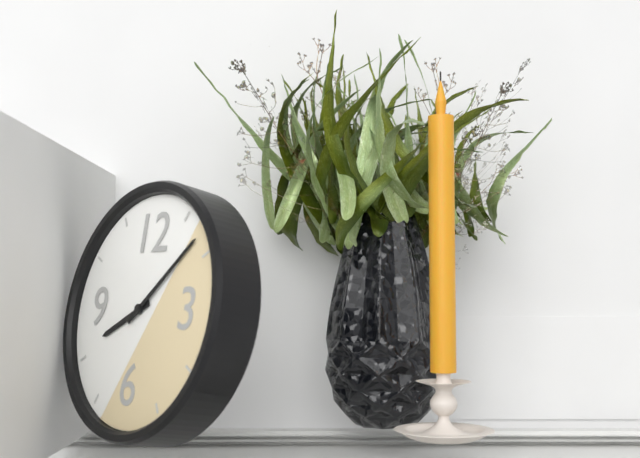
8:08
